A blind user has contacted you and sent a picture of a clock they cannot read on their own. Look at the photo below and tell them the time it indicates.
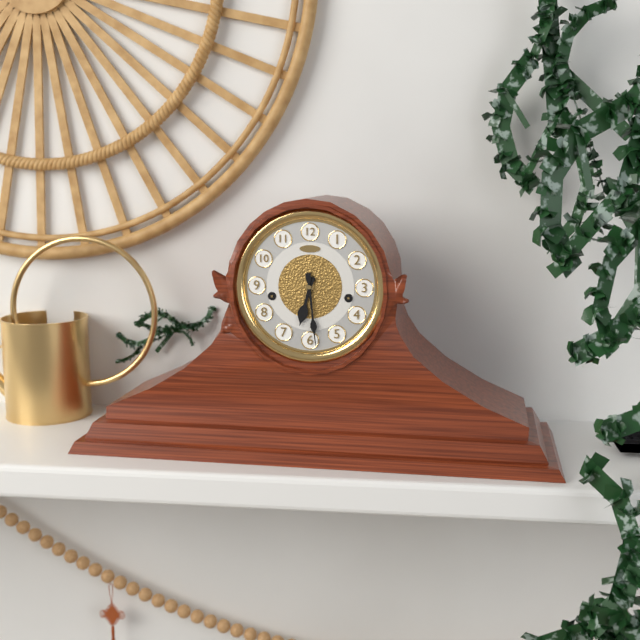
6:29
